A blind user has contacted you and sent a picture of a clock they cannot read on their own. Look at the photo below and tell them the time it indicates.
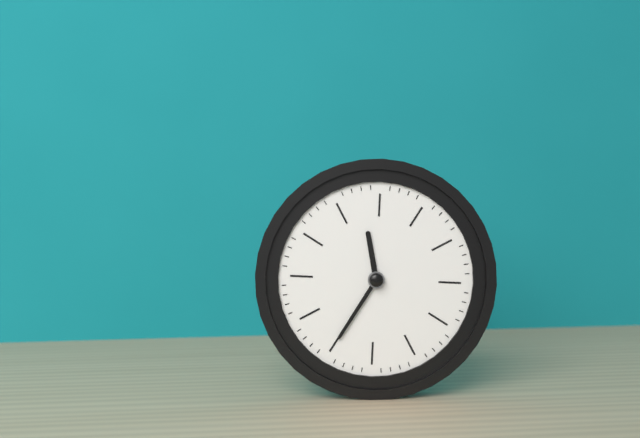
11:35
